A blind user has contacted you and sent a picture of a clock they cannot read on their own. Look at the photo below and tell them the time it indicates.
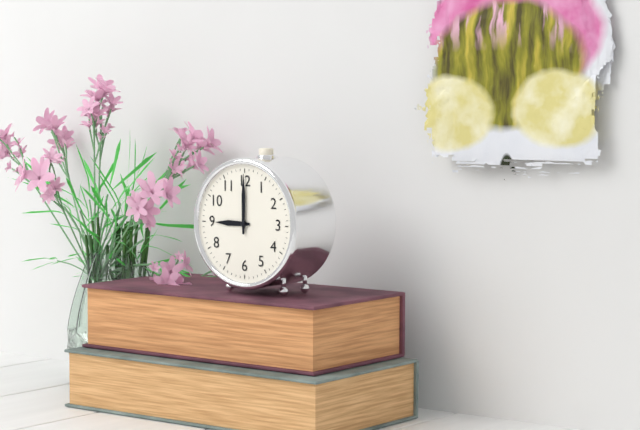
9:00
